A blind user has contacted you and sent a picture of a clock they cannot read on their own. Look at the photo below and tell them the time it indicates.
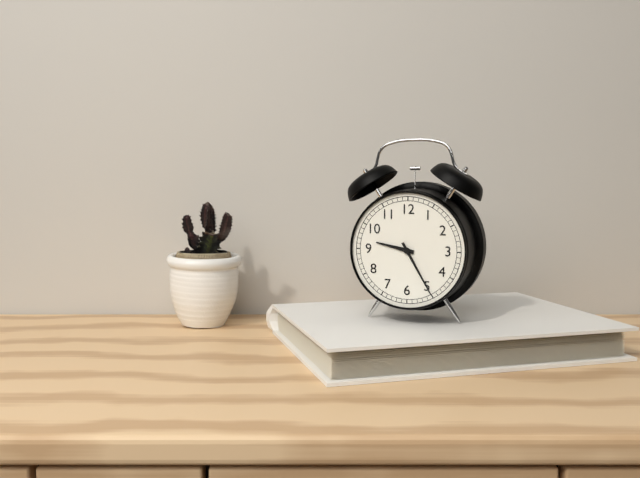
9:25
